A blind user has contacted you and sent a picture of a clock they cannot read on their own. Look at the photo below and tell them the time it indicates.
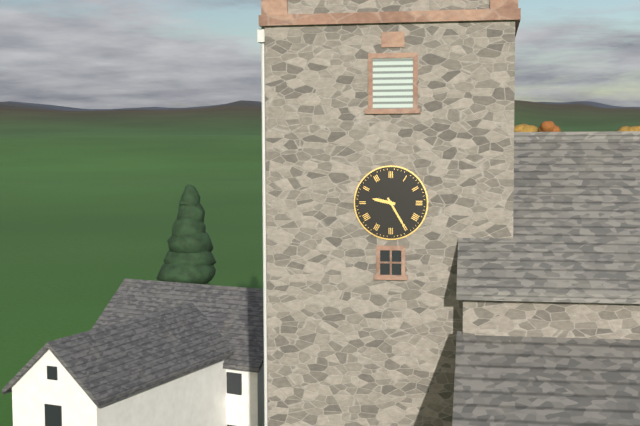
9:25
